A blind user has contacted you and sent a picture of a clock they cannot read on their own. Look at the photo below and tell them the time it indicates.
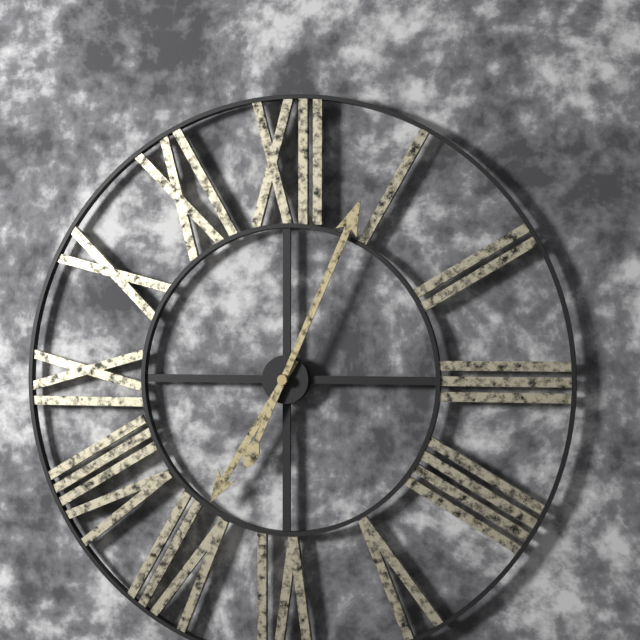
7:04
